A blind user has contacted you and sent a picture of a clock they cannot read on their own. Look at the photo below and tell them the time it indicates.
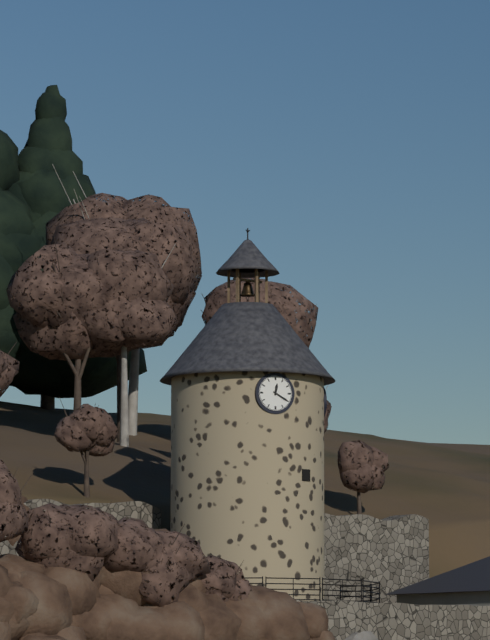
12:20
